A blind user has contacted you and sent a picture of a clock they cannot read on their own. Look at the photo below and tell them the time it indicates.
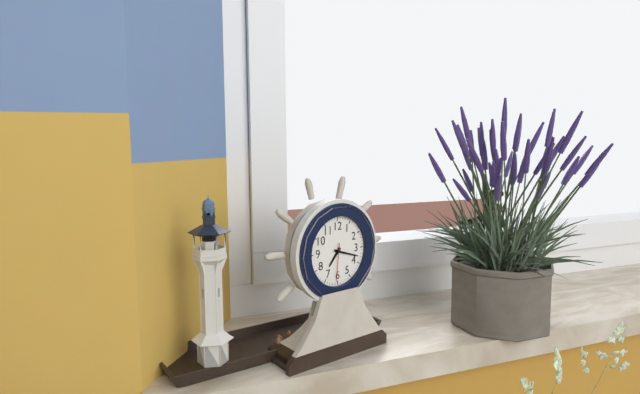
7:18
